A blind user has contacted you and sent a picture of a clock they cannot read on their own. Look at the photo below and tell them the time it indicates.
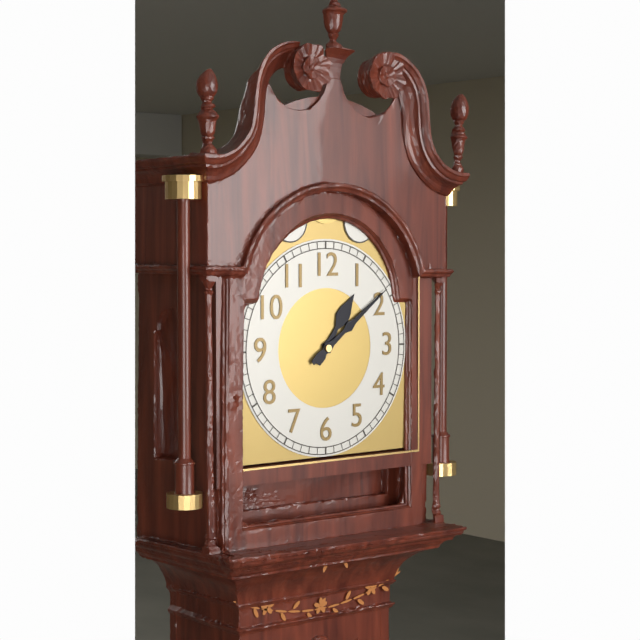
1:09
